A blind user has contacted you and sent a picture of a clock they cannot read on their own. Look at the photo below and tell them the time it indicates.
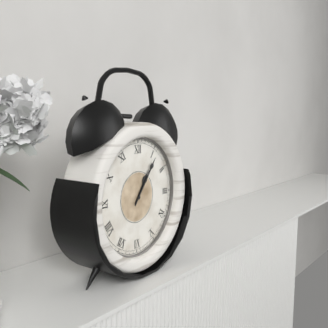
1:06
